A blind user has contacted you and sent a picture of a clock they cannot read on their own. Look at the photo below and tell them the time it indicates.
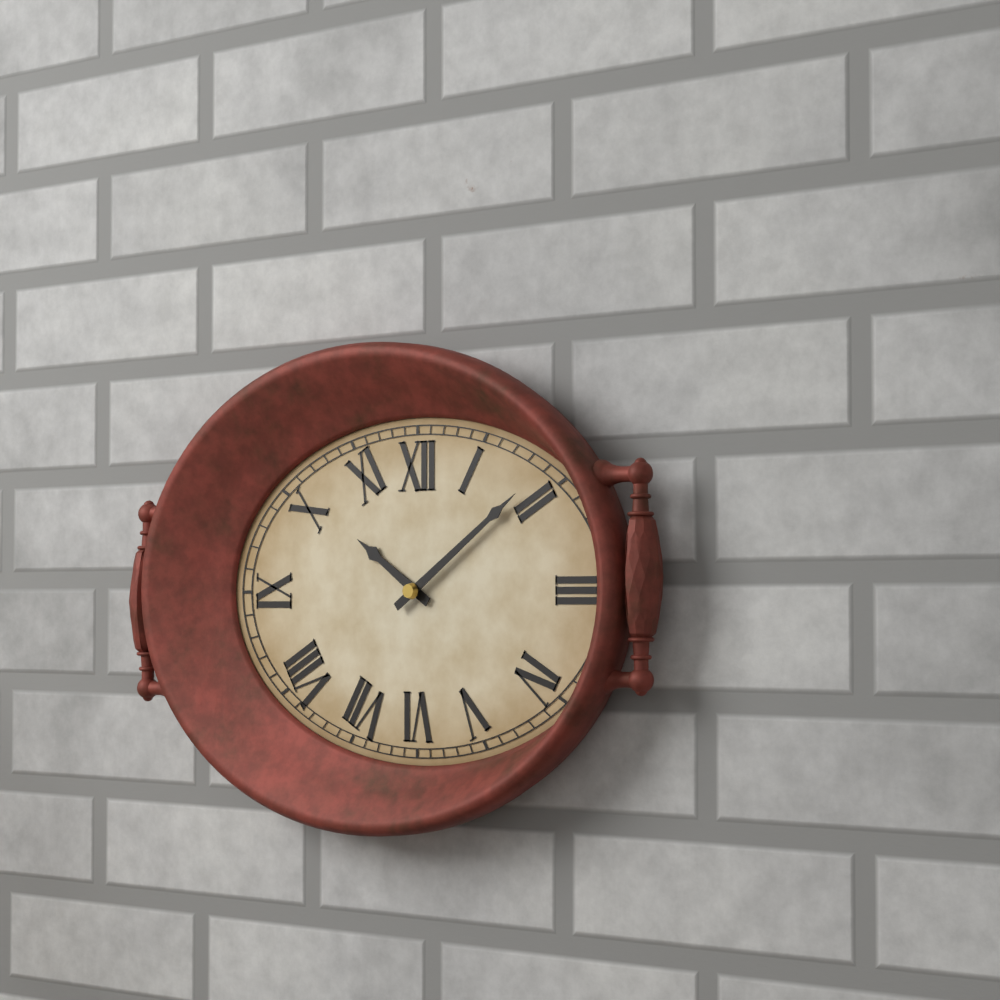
10:09
